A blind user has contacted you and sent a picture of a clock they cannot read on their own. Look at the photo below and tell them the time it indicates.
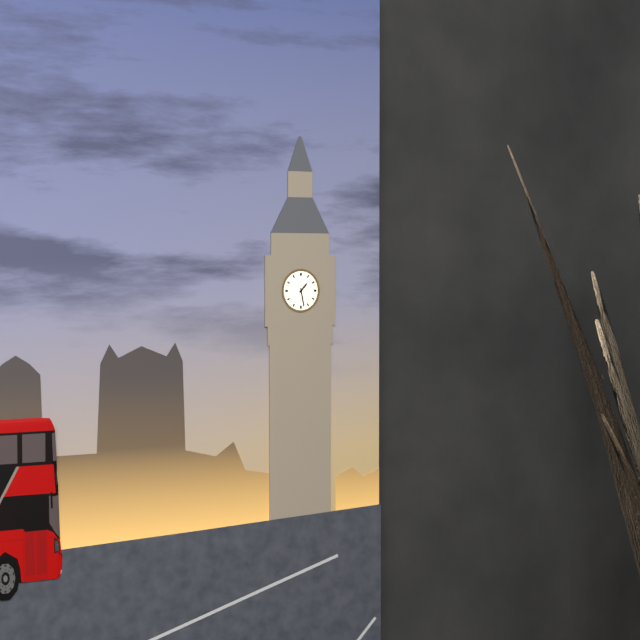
1:28
